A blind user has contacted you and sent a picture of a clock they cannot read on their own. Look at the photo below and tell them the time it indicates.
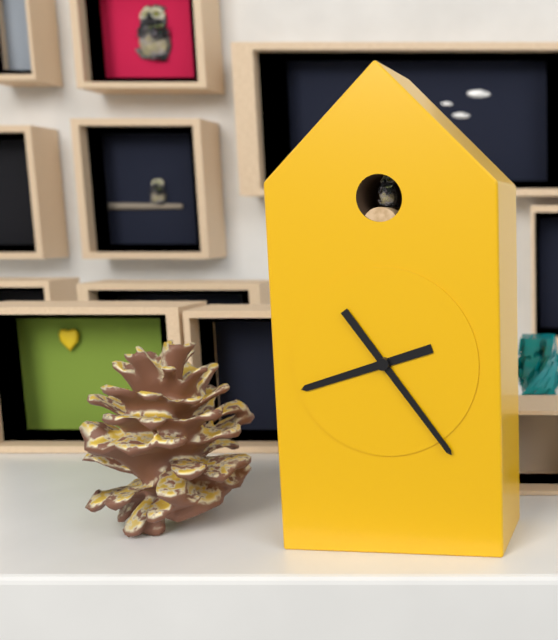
8:24
